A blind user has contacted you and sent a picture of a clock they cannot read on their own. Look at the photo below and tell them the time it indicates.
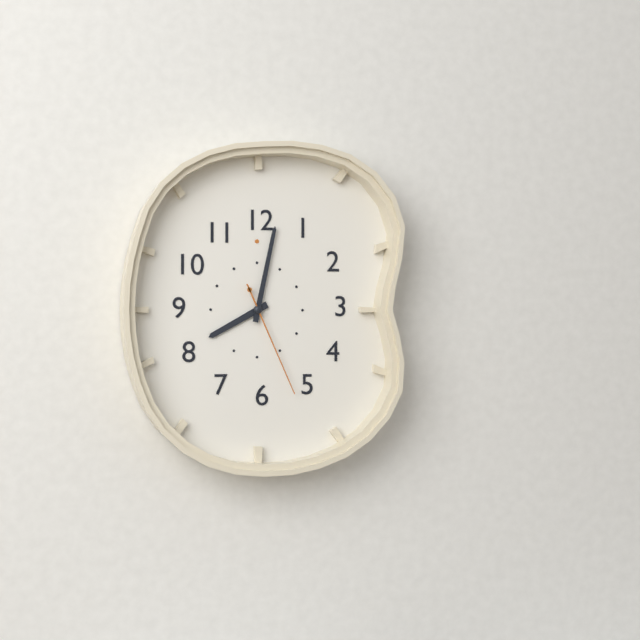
8:02:26
